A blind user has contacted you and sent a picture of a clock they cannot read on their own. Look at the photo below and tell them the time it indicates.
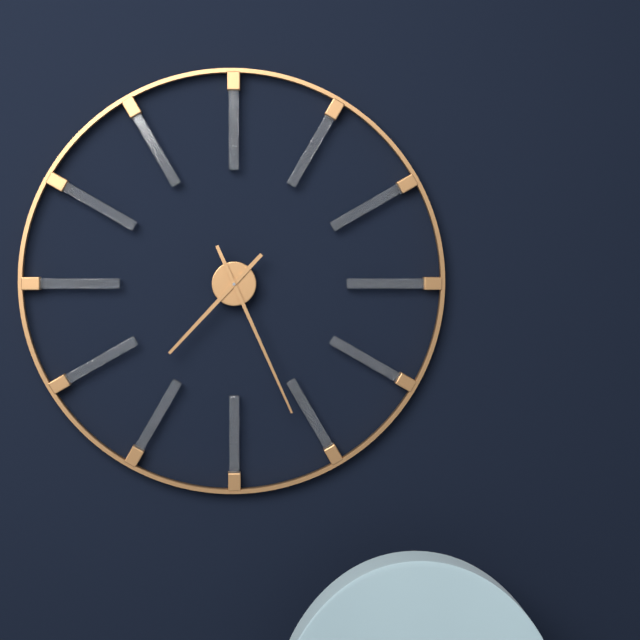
7:26
